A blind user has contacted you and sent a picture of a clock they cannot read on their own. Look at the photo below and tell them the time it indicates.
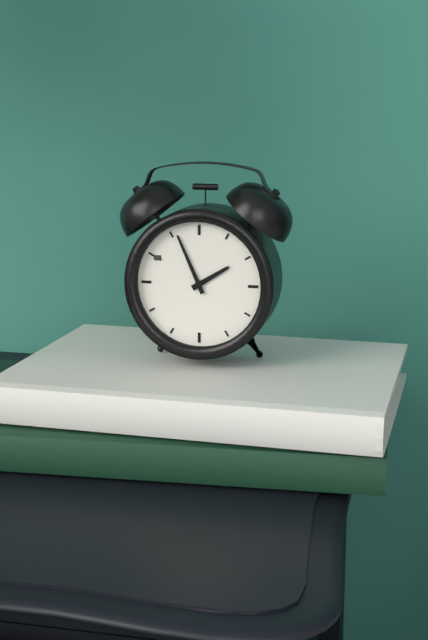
1:56
